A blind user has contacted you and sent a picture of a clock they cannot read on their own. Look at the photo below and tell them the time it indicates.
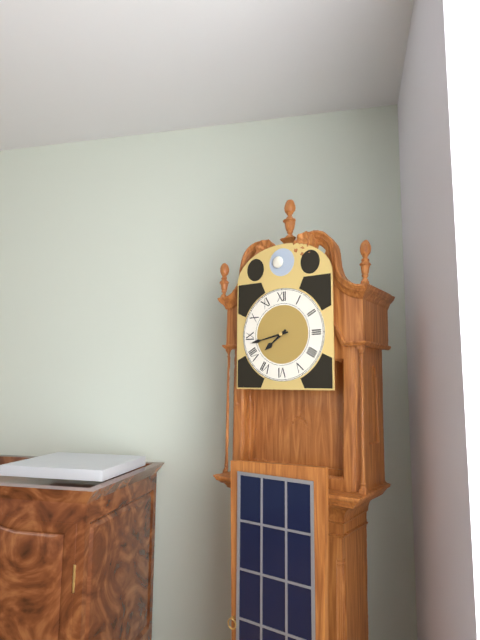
7:43
